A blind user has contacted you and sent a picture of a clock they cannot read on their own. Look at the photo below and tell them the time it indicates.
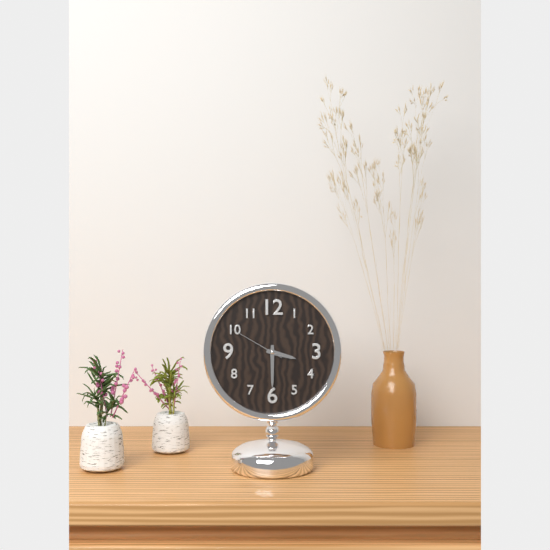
3:30:50
